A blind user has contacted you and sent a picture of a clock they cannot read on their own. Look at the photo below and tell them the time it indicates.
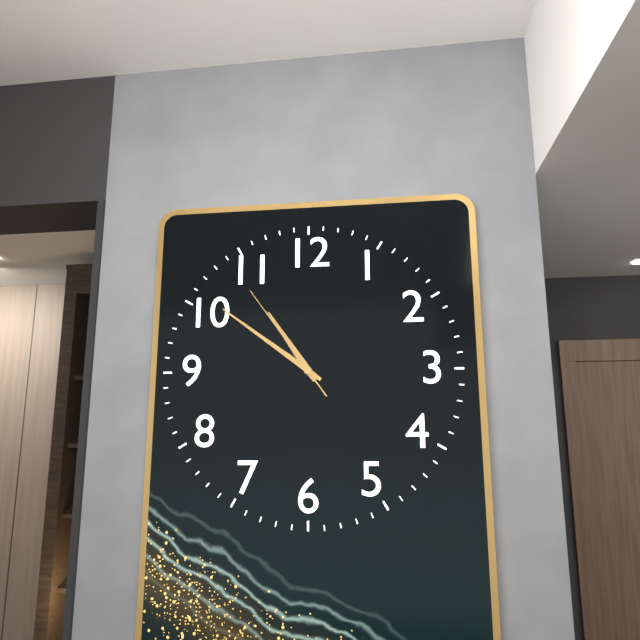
10:51:54
